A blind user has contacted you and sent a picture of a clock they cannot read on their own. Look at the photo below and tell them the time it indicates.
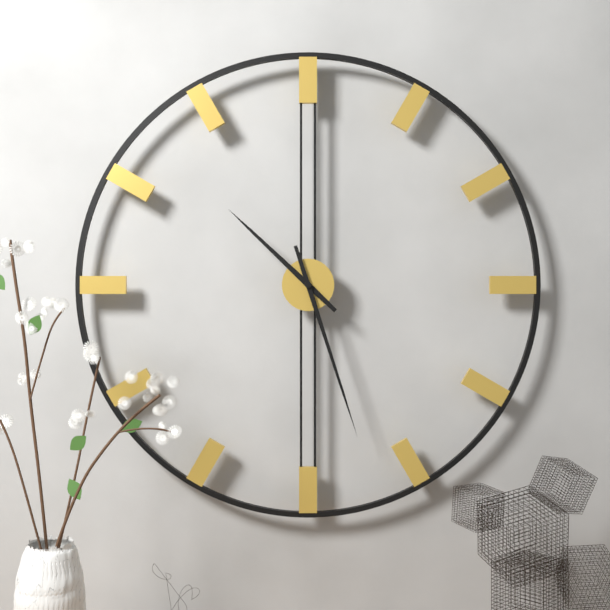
10:27
